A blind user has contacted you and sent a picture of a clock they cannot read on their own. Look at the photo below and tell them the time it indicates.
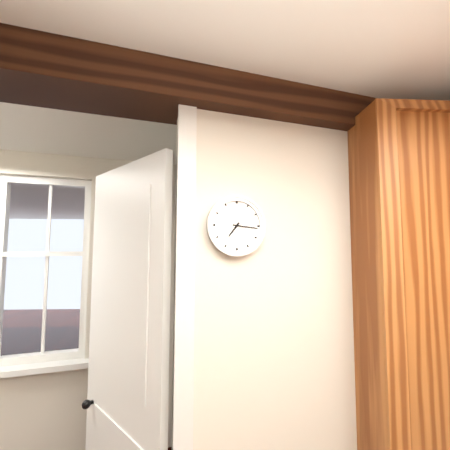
7:16
